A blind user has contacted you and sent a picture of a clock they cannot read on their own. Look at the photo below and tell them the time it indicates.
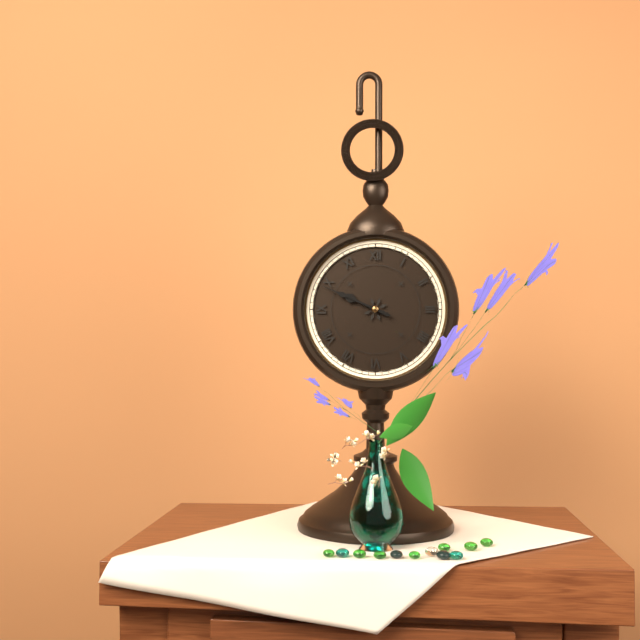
9:49
